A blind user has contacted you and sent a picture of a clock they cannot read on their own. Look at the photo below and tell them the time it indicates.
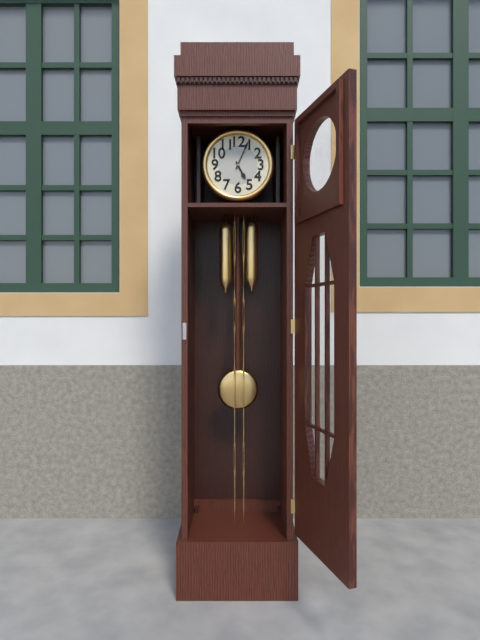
5:04
